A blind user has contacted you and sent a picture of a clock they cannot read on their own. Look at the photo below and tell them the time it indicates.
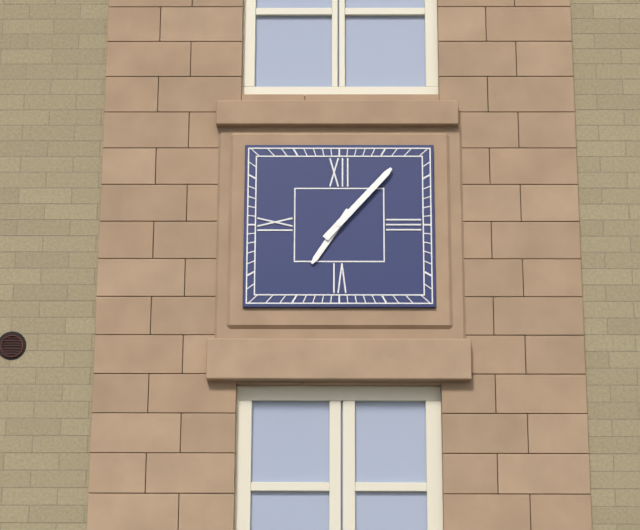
7:07
